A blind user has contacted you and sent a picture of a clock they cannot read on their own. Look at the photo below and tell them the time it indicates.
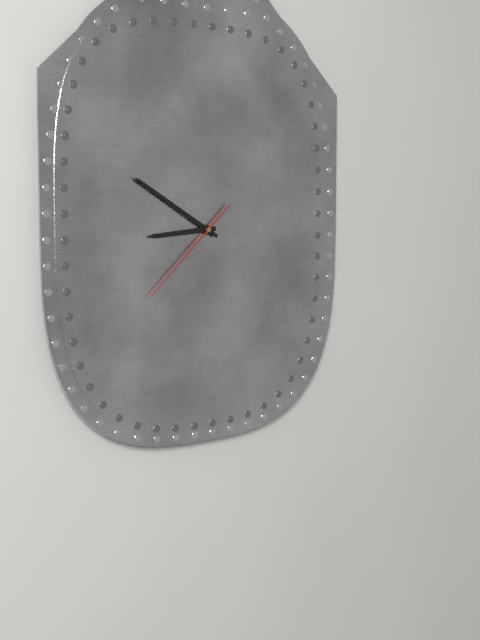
8:50:38
